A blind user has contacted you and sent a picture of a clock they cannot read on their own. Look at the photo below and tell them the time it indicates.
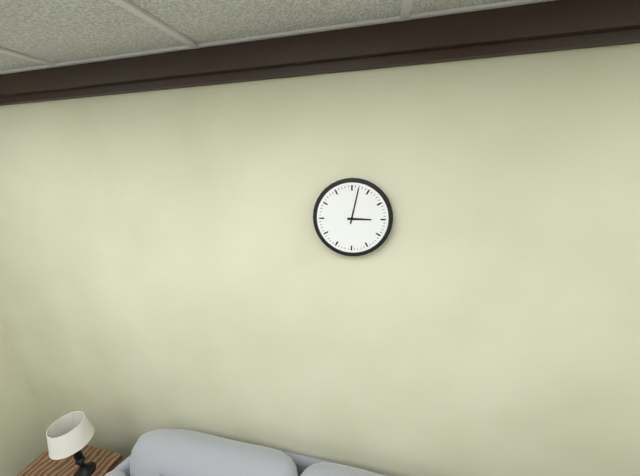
3:02
